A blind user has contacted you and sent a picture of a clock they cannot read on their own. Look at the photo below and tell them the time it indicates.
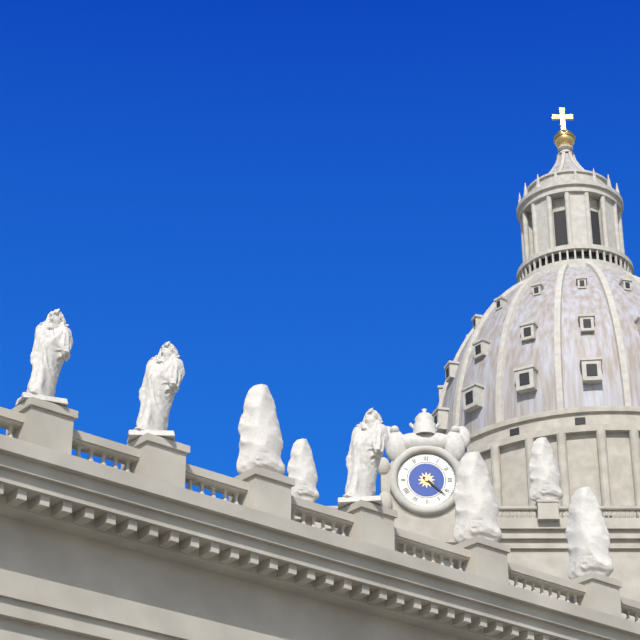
4:22
